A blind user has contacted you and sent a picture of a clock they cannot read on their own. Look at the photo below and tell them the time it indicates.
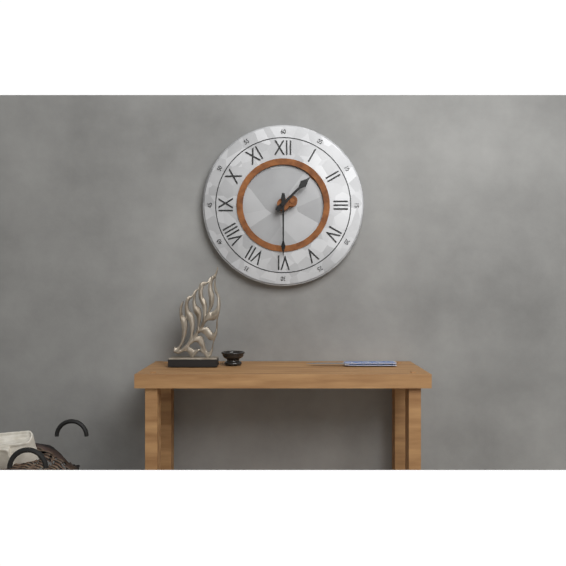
1:30
